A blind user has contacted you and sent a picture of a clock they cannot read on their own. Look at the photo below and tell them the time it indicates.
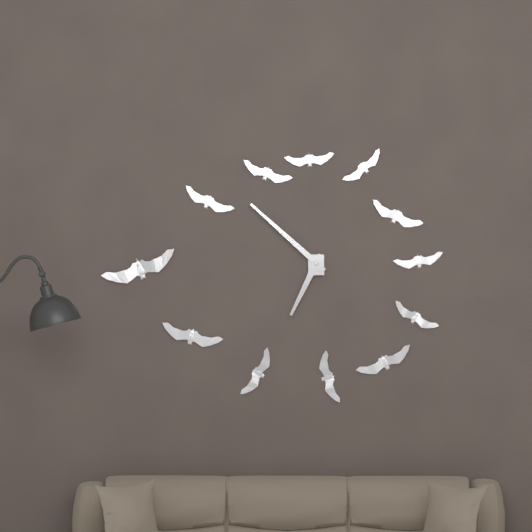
6:52
